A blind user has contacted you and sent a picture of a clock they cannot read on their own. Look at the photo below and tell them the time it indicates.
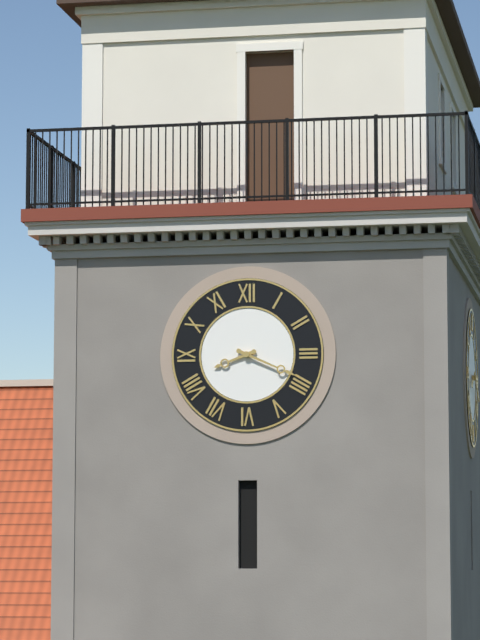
8:19
